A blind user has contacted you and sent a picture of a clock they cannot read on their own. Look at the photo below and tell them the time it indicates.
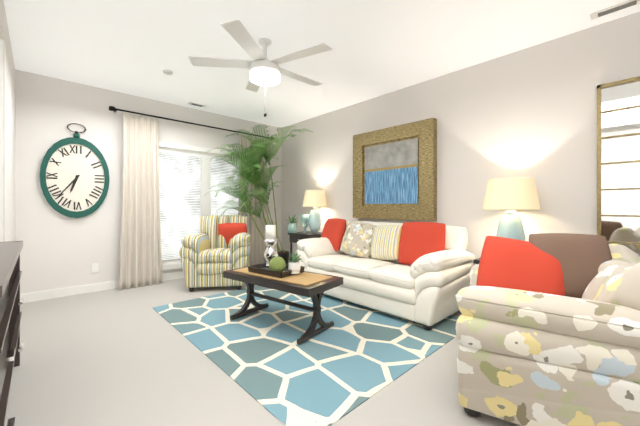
6:36
